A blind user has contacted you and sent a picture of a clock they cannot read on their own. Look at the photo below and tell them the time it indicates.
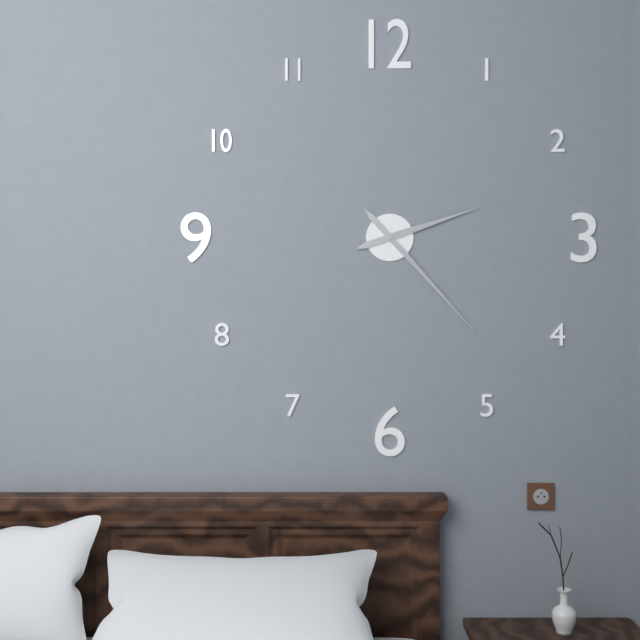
2:23
